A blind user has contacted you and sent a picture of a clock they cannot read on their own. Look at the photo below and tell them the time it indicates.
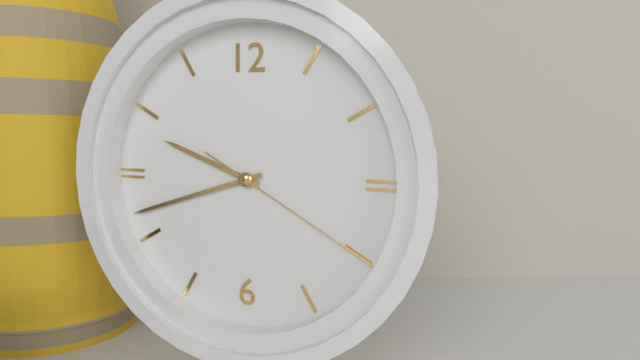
9:42:20
